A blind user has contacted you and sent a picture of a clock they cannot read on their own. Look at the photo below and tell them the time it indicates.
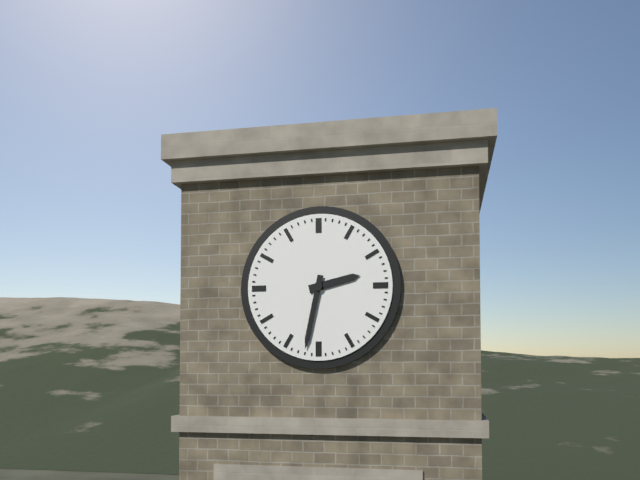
2:32
